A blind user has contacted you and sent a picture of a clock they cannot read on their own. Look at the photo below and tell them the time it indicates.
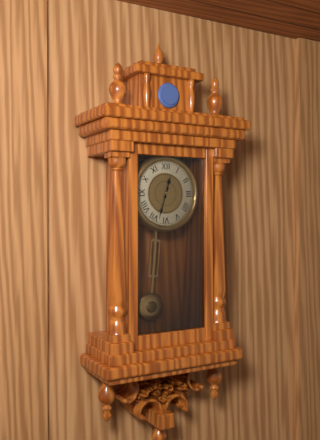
12:33
